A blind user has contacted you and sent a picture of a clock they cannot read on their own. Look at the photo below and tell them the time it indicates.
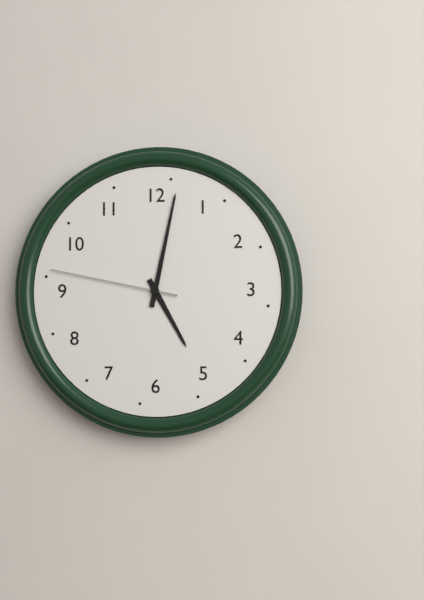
5:02:47
